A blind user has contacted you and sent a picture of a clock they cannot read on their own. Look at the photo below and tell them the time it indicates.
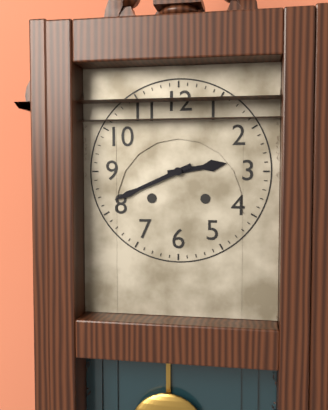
2:41
